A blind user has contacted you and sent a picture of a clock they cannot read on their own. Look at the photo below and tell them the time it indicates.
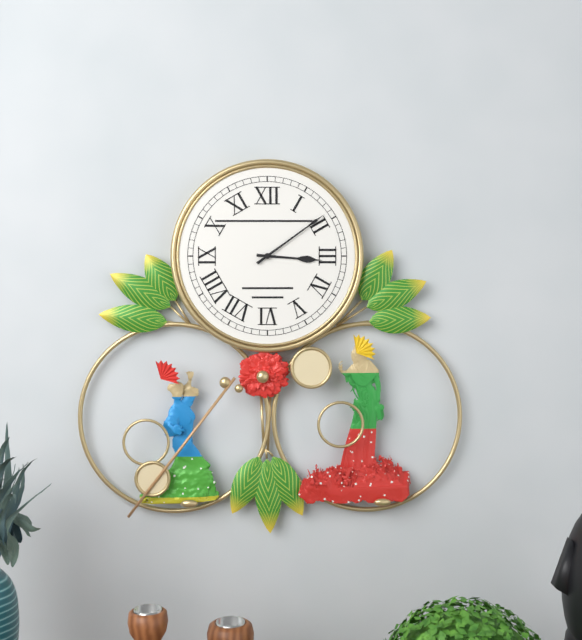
3:09
